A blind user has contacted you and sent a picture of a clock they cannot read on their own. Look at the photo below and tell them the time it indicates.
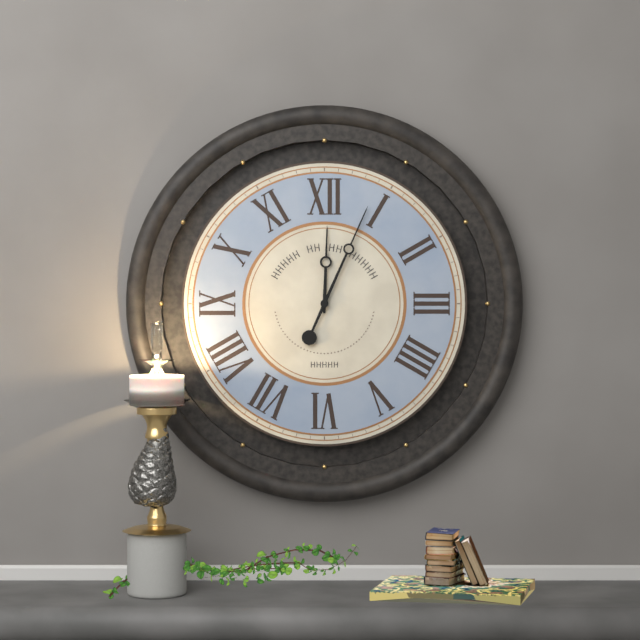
12:04
